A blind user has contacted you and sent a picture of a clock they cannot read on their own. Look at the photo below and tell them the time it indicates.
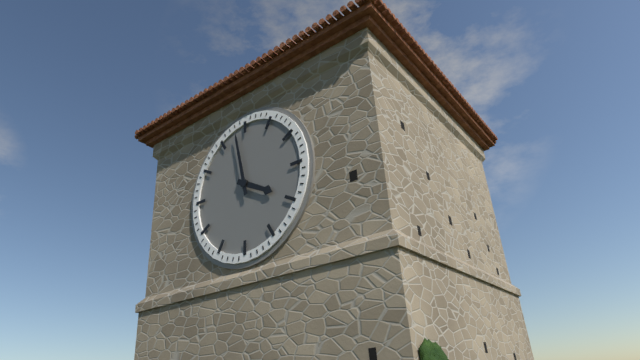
3:58
